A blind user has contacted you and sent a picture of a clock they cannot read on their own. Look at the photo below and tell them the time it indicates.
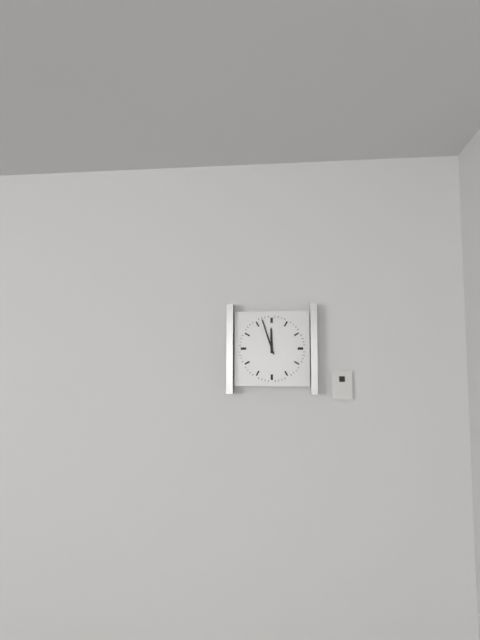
11:57
